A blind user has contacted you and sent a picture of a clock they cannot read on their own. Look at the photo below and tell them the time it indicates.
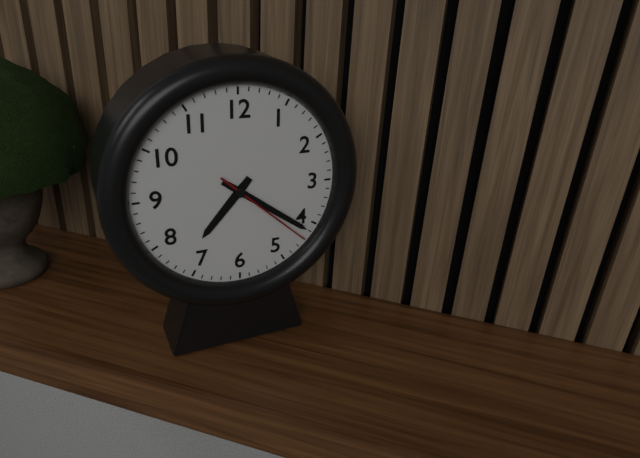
7:21:22
